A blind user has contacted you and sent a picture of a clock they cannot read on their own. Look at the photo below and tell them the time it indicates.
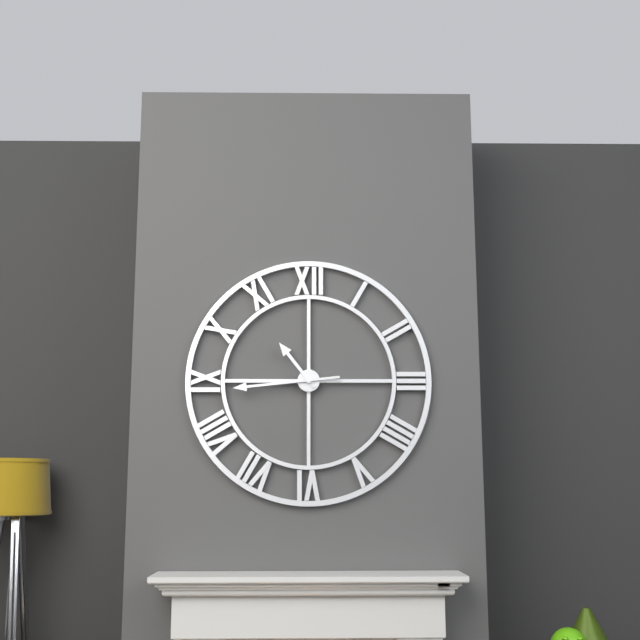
10:44
